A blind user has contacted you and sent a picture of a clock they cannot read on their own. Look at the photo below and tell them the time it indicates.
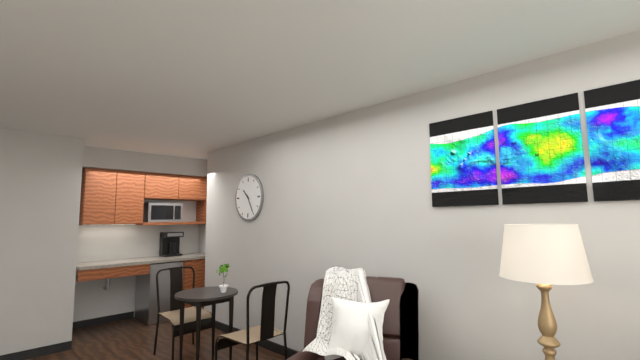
10:25
